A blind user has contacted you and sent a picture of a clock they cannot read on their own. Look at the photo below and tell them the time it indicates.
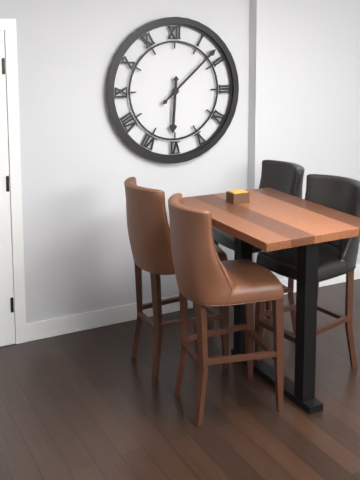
6:08
